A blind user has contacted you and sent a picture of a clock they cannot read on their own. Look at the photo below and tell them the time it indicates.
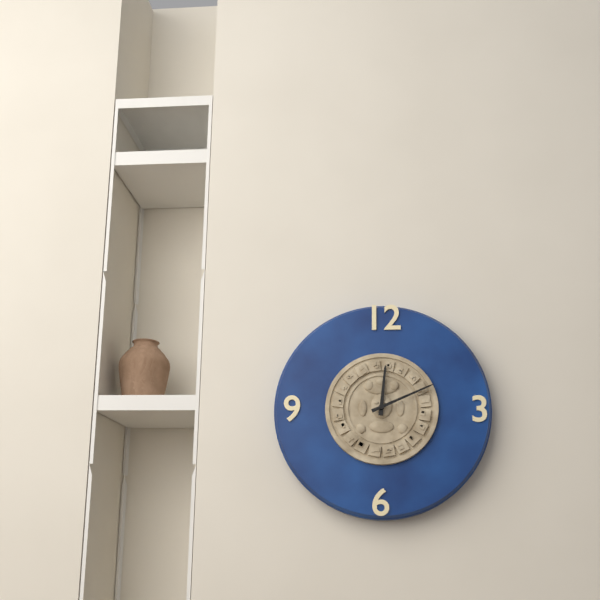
12:11
